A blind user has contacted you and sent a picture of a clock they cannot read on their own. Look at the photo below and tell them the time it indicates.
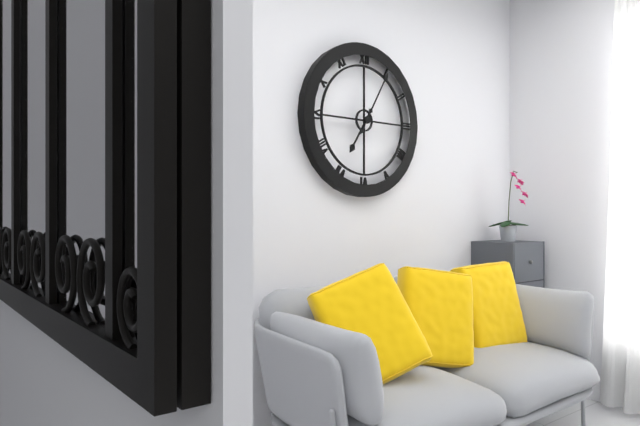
7:05
